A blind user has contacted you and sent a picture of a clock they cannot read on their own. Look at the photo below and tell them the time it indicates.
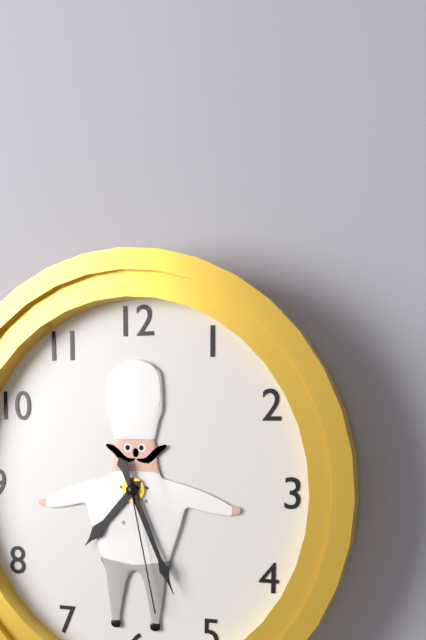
7:26:28
